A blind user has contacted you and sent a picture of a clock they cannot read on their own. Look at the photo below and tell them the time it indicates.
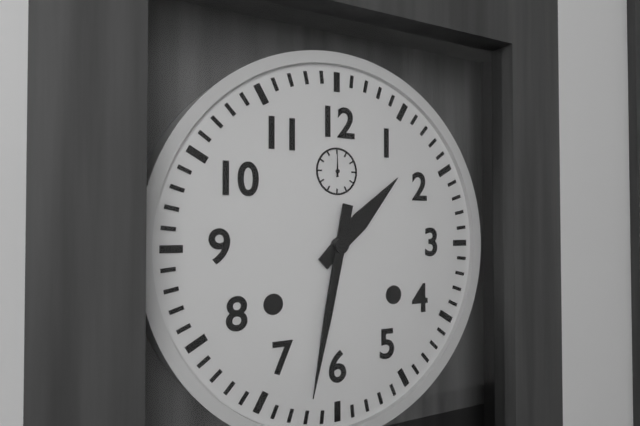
1:32
